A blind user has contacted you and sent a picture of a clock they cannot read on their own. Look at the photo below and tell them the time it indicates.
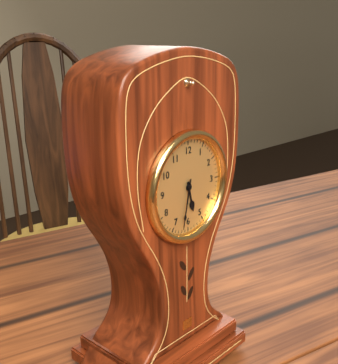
5:32
